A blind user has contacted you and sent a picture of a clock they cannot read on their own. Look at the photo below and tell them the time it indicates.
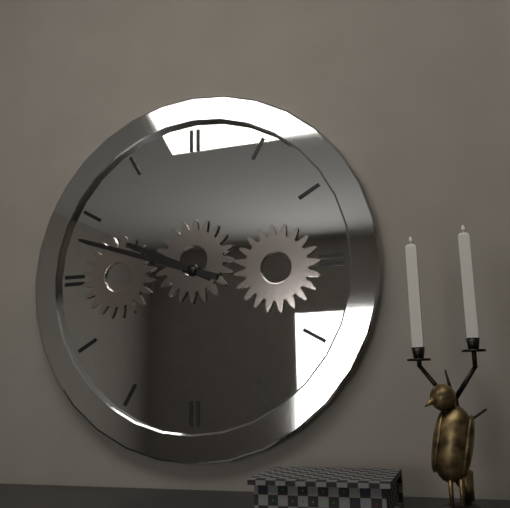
9:48
